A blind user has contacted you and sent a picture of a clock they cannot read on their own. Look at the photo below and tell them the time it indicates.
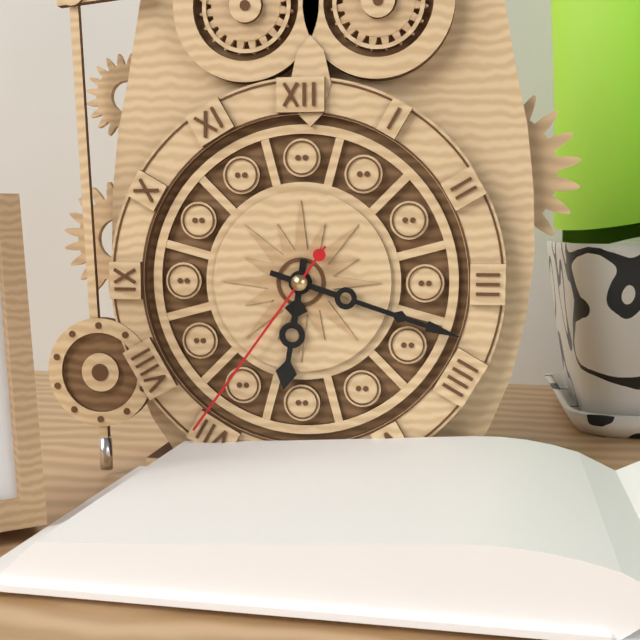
6:18:36
